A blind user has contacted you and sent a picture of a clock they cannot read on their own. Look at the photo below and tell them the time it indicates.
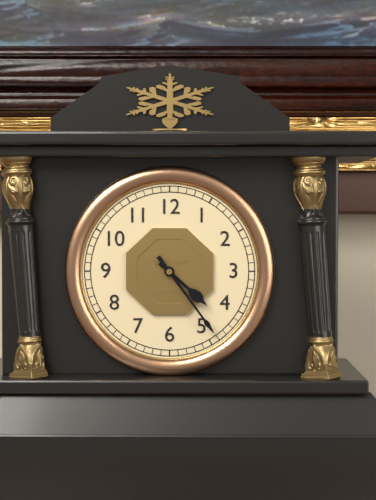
4:24
